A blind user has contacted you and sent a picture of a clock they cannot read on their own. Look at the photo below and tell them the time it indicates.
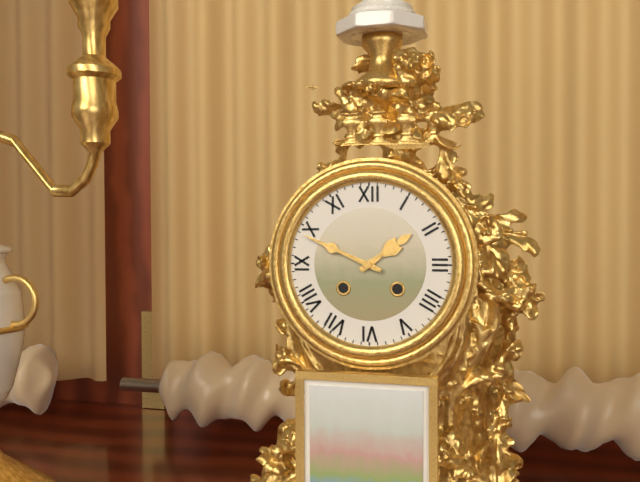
1:49
